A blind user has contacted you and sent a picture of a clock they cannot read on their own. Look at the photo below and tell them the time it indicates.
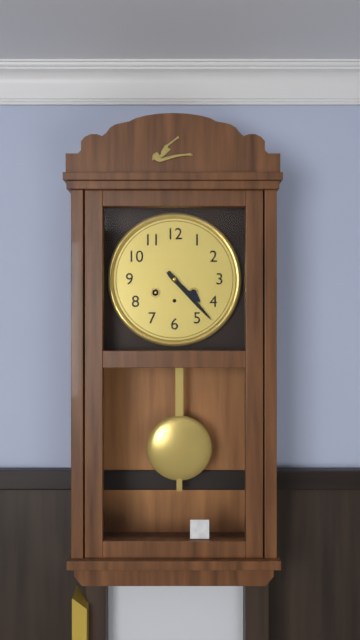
4:23
